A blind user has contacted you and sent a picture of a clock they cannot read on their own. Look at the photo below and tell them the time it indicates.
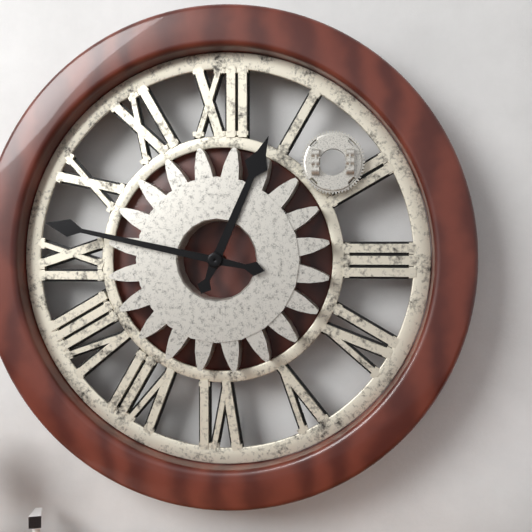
12:47
